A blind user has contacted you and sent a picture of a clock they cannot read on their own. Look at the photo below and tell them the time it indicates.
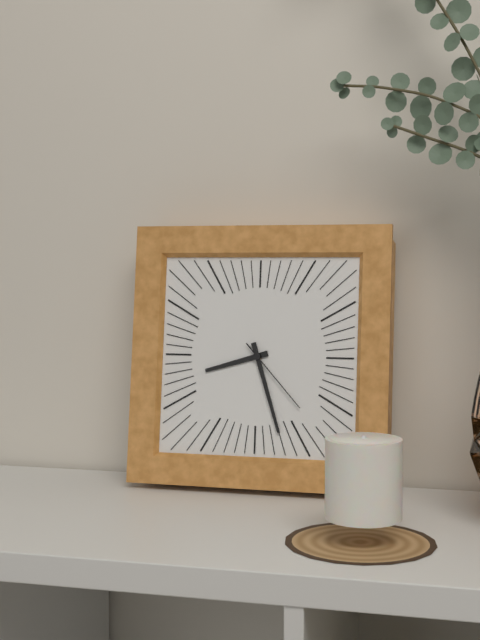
8:27:23
